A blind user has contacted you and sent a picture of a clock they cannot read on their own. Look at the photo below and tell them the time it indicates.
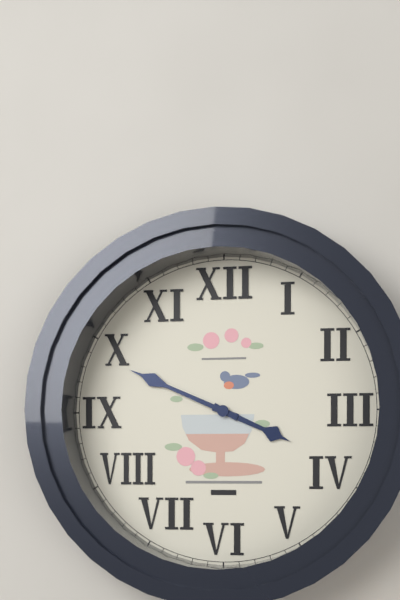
3:49
